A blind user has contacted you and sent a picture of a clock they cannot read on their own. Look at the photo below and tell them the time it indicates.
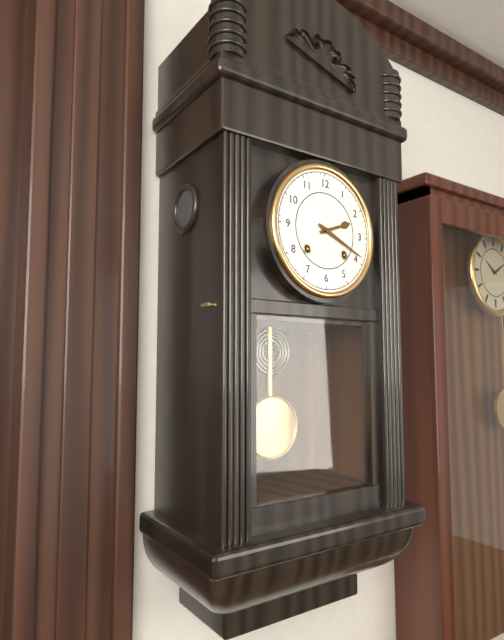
2:19
